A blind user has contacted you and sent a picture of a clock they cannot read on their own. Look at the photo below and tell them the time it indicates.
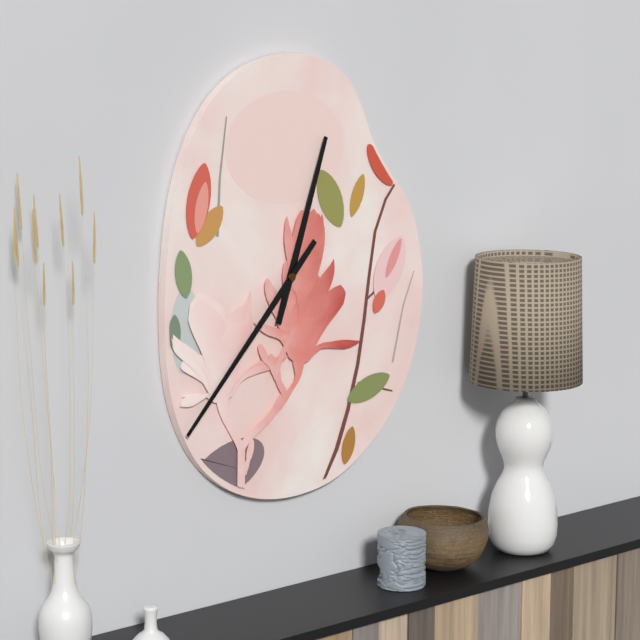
12:37
